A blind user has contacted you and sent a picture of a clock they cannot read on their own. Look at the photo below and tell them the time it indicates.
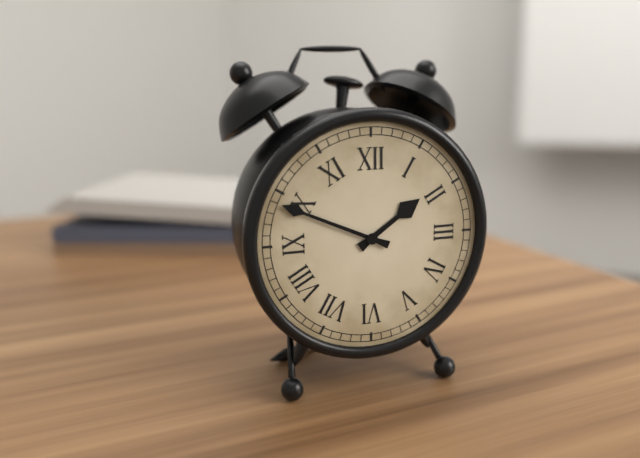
1:49
